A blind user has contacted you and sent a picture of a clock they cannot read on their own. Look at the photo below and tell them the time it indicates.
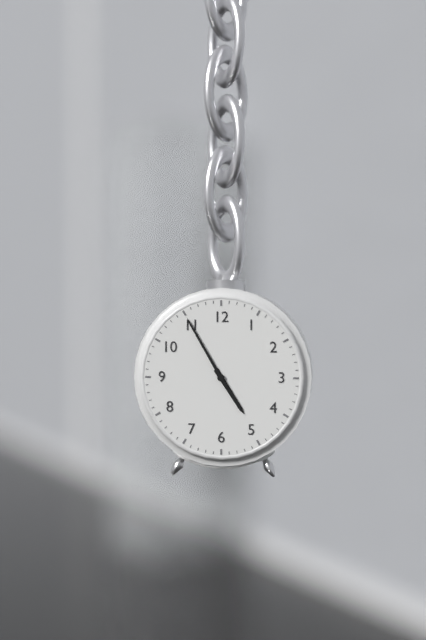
4:55
